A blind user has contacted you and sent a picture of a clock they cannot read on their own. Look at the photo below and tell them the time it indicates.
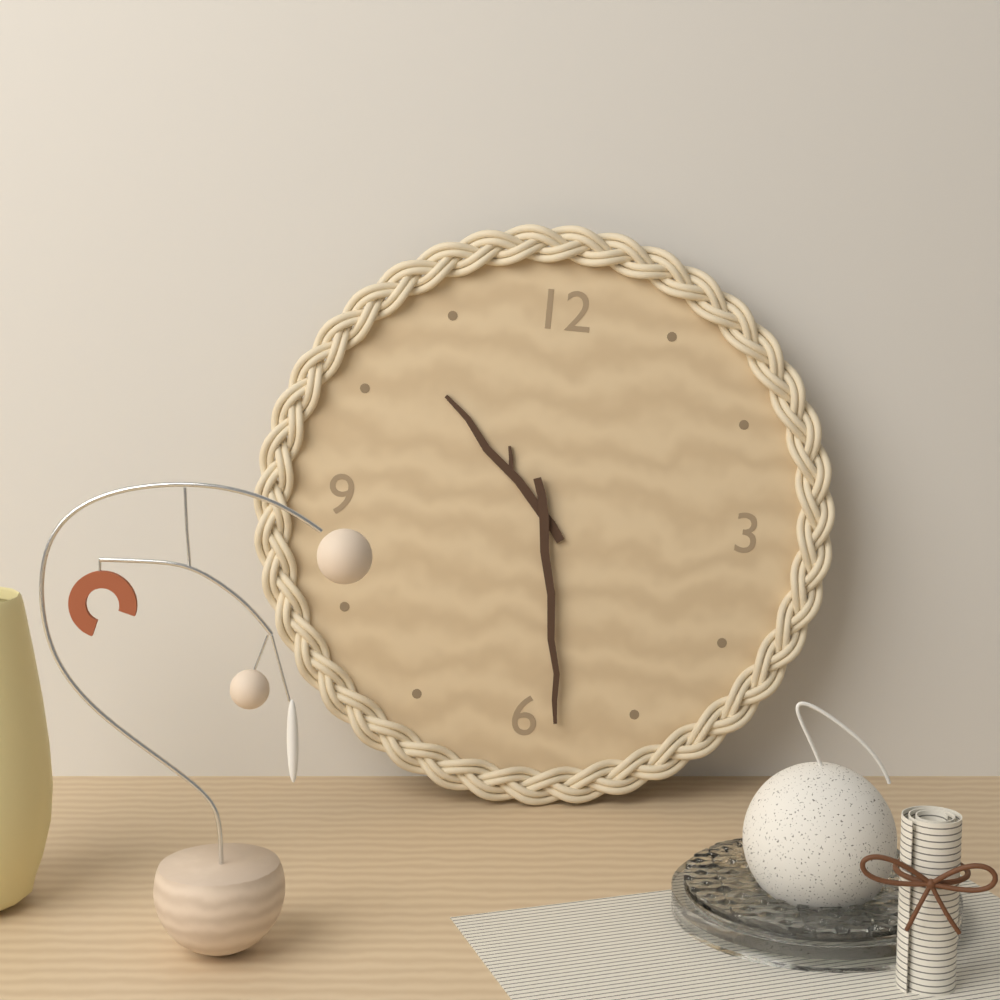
10:28
